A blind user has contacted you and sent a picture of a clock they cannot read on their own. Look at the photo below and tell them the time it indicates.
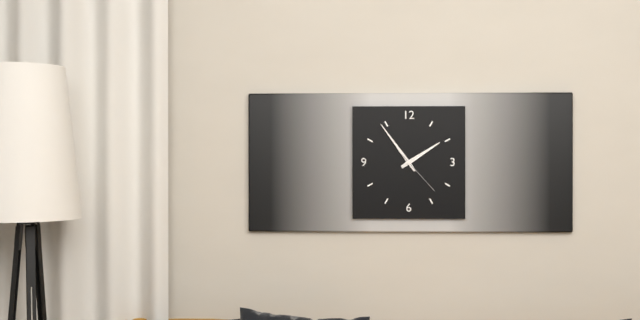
1:54
